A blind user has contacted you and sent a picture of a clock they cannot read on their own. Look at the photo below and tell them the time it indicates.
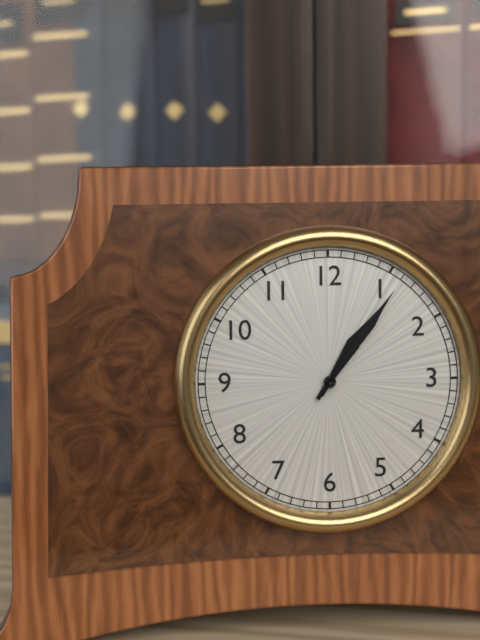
1:06
